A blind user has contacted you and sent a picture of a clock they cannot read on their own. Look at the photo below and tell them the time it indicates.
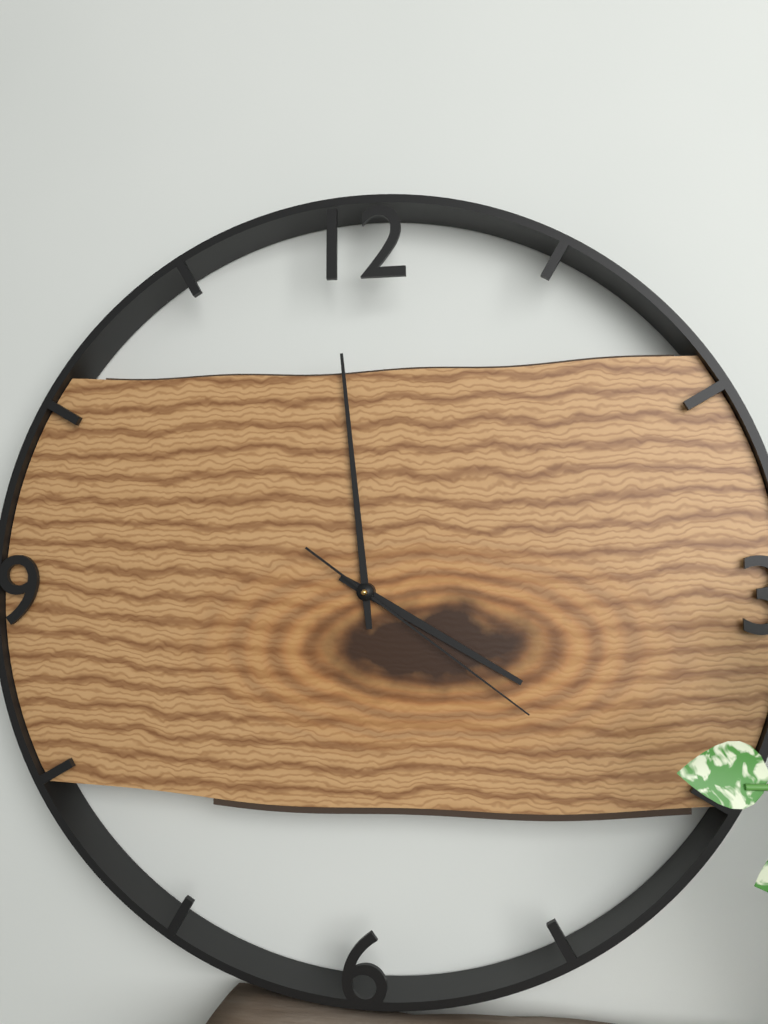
3:59:21
